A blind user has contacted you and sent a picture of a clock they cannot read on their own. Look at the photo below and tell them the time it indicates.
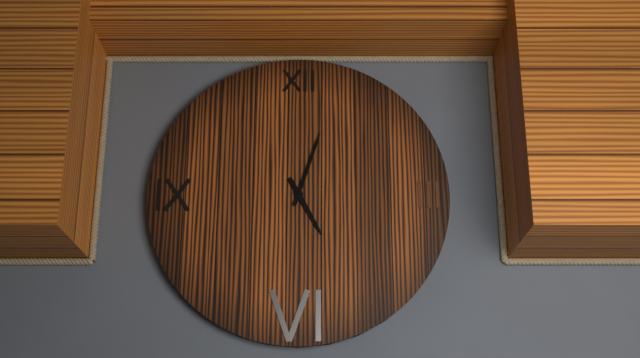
5:03
